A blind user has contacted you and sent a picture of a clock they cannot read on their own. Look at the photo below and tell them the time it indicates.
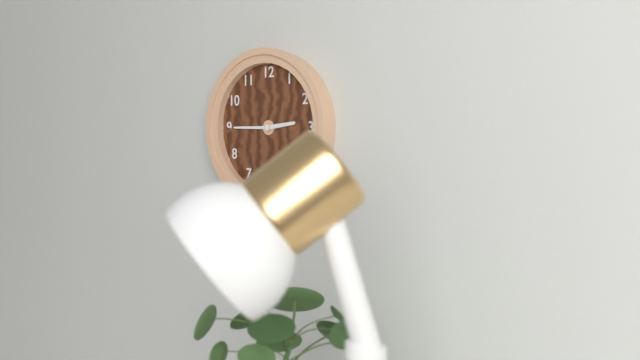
2:45
